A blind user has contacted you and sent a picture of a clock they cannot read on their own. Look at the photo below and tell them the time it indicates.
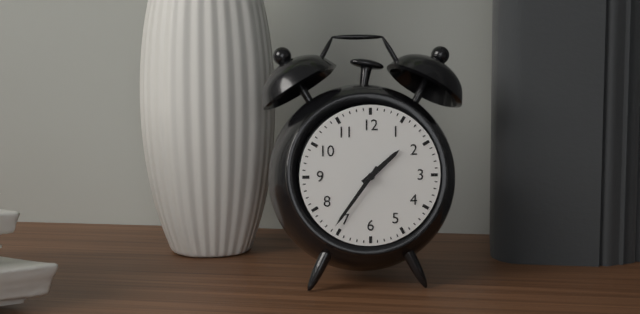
1:36
